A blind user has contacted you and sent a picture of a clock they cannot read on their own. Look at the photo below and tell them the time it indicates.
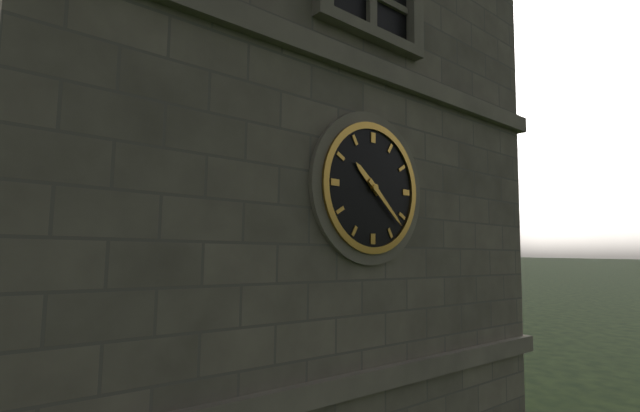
10:22
